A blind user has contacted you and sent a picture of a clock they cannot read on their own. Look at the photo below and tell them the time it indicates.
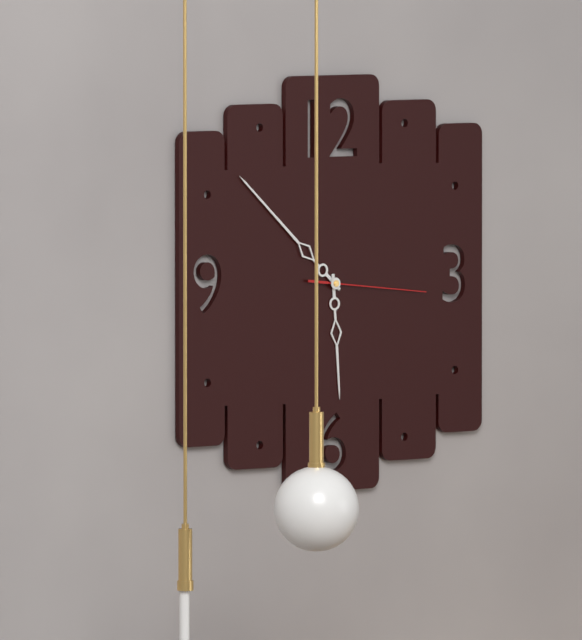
5:52:16
